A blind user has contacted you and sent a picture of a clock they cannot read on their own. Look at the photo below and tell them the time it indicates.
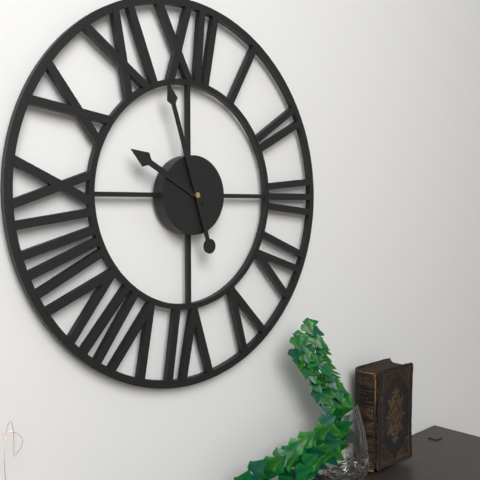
9:57
